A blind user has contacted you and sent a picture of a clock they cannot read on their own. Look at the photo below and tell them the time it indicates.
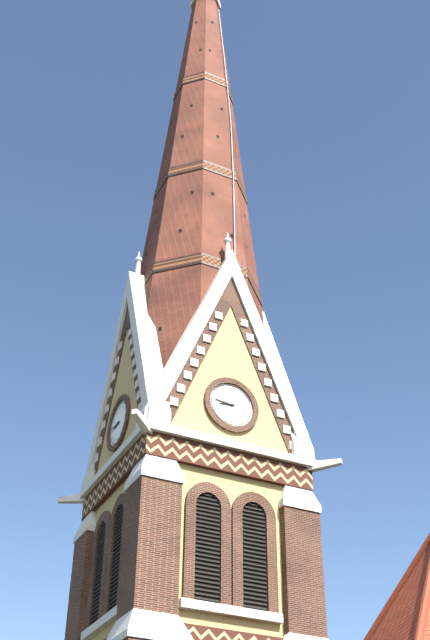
8:46
